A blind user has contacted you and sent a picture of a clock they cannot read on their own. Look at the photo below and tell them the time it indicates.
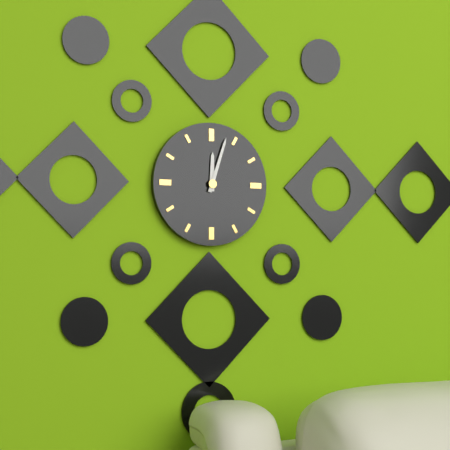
12:03
